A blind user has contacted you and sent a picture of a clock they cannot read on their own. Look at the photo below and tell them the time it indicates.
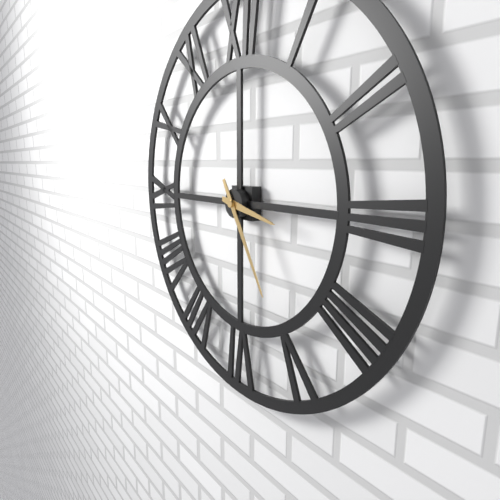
3:25
